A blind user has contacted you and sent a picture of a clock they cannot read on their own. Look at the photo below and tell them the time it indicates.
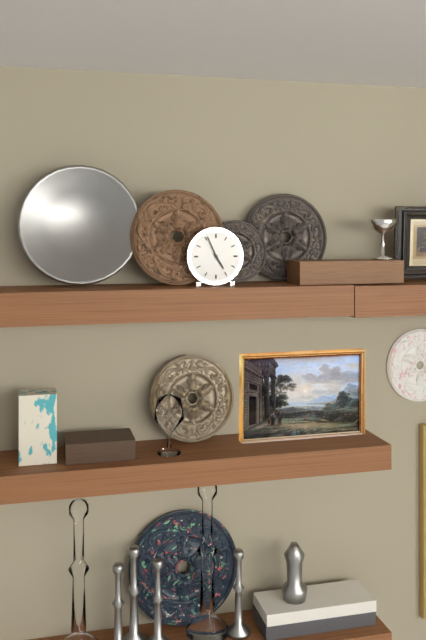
4:56
